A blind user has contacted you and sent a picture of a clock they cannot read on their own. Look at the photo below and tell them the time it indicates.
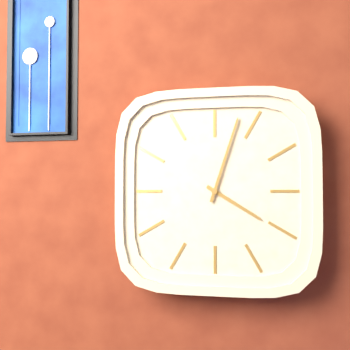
4:03
